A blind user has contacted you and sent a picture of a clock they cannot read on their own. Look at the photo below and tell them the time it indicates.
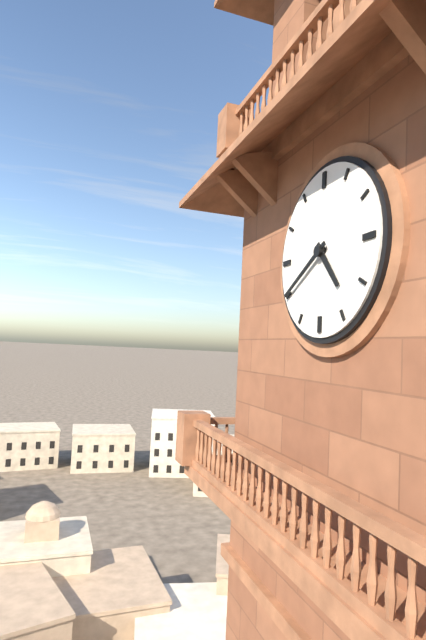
4:40
